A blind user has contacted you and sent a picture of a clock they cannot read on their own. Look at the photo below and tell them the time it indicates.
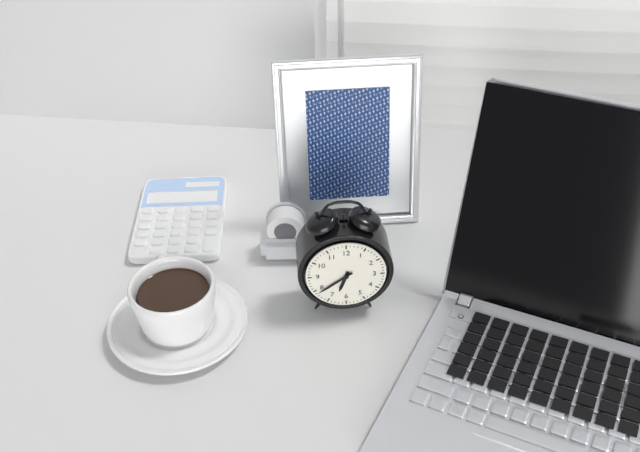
6:39
